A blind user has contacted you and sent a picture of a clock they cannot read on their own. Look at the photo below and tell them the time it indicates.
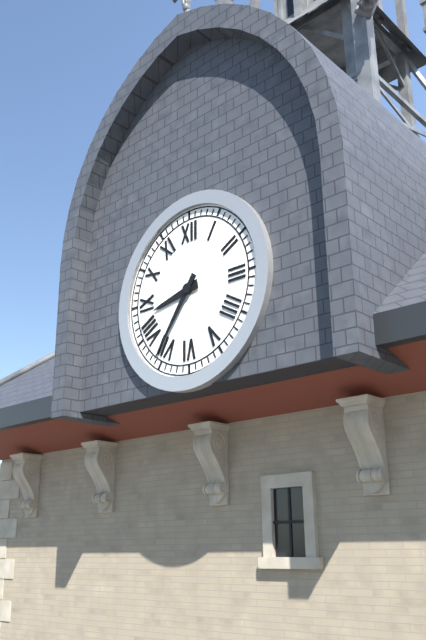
8:36
